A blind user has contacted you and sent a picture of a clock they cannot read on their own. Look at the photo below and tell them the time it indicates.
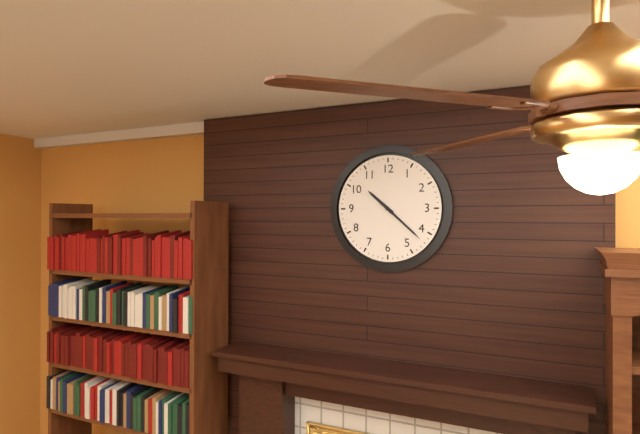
10:22
